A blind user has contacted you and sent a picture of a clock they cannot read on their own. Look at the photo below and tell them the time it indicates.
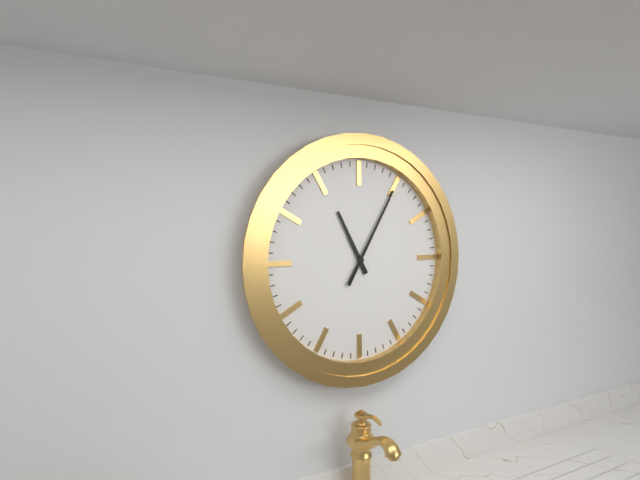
11:05
